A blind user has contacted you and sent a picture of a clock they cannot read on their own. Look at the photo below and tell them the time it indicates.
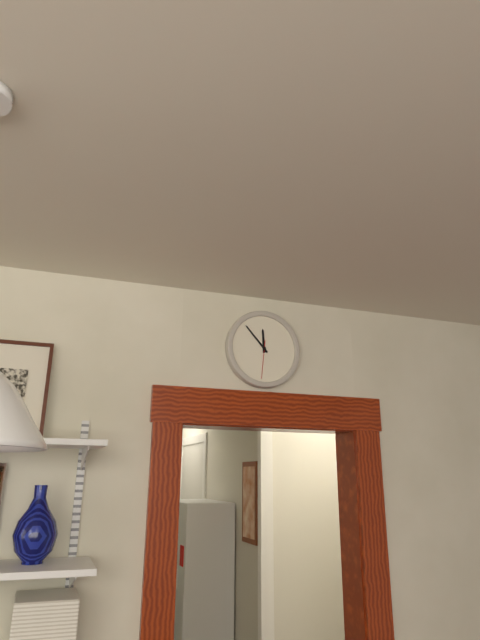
11:53
